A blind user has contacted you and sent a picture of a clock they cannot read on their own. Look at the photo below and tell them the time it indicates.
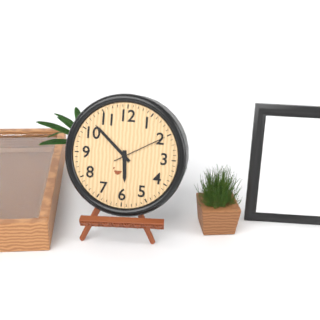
5:52:10
